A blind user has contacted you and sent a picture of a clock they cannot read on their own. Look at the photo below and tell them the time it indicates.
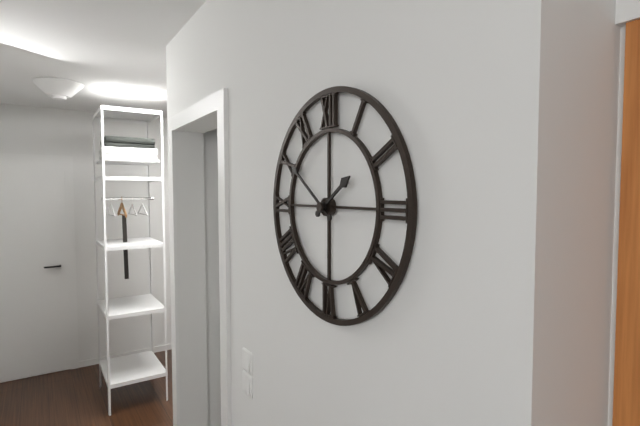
1:51
